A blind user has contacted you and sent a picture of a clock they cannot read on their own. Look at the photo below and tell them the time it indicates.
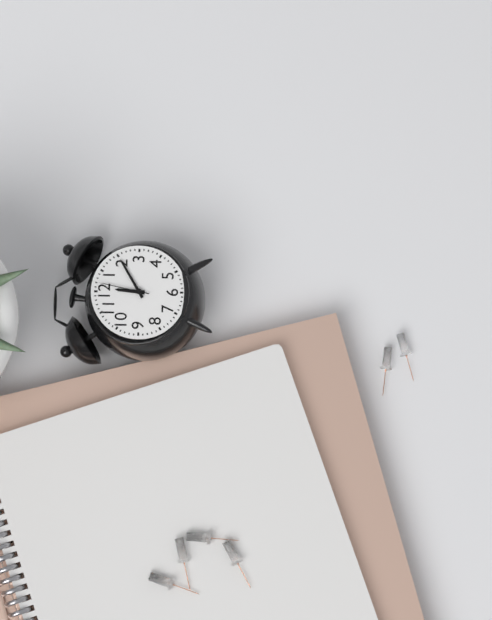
12:10:02
